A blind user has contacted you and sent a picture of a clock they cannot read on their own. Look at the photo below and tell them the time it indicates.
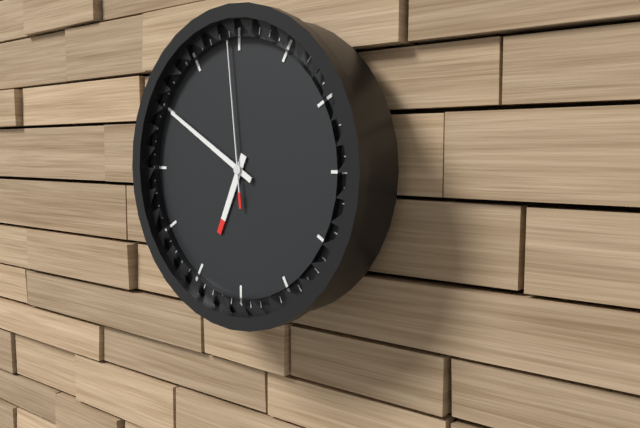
6:50:59
